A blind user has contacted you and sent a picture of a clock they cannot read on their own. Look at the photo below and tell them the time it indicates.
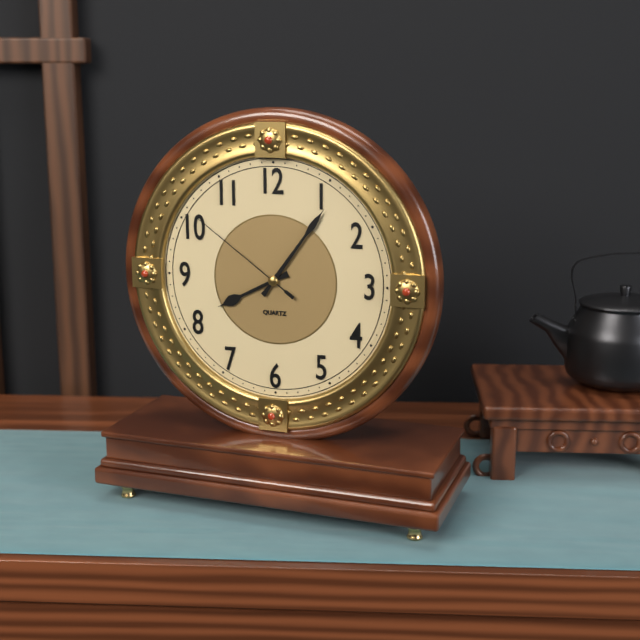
8:06:51
